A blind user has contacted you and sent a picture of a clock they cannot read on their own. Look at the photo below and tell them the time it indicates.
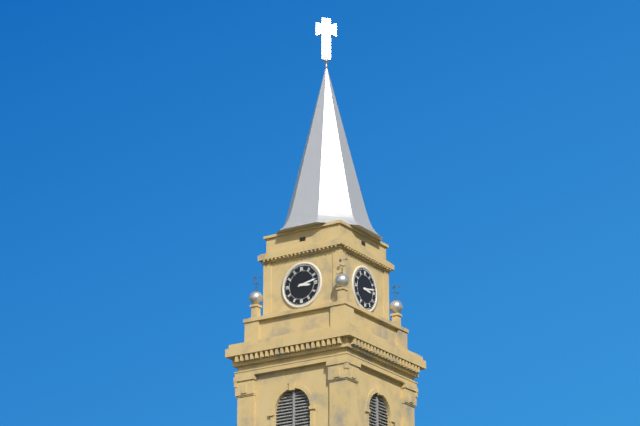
3:13
